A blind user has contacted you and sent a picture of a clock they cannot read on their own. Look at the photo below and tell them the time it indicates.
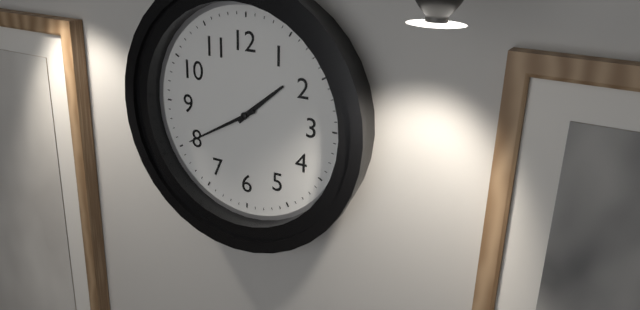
1:40
